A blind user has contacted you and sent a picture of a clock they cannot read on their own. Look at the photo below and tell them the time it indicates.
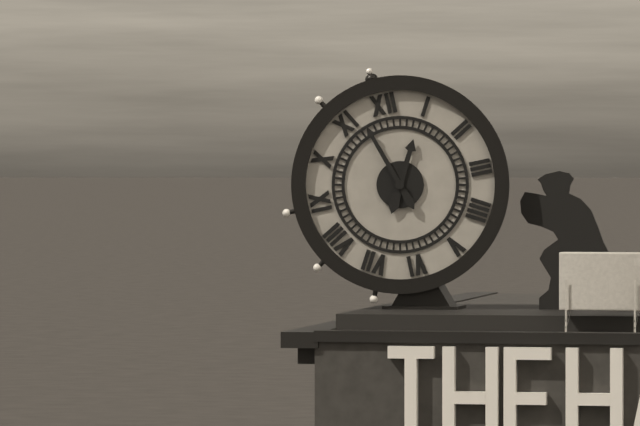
12:57
